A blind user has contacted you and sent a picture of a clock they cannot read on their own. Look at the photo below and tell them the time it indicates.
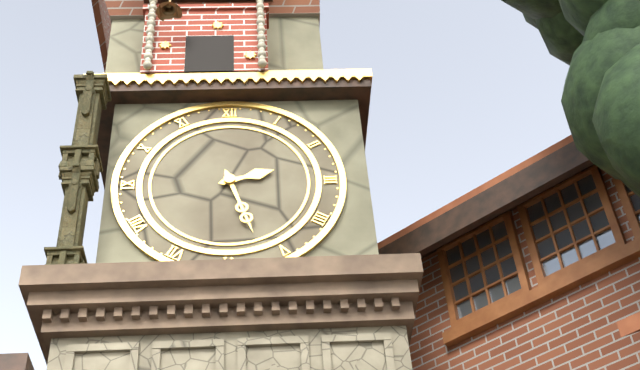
2:27
